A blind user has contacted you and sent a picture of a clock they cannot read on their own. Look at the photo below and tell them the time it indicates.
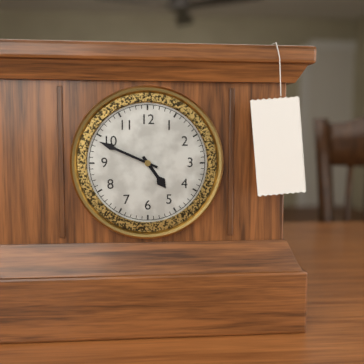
4:49
